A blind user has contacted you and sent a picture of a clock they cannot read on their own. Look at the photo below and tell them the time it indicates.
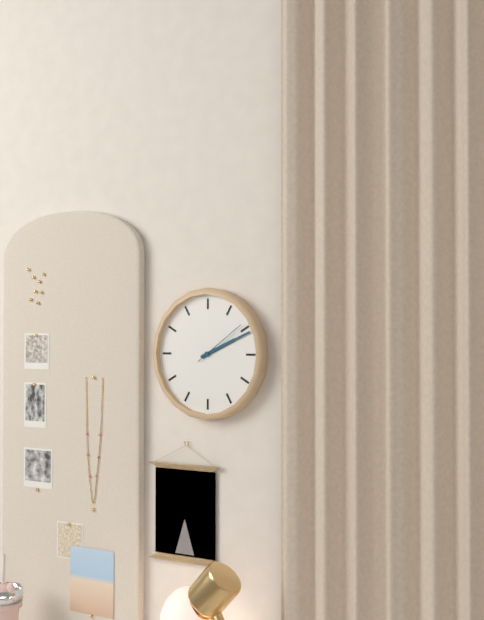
2:11
